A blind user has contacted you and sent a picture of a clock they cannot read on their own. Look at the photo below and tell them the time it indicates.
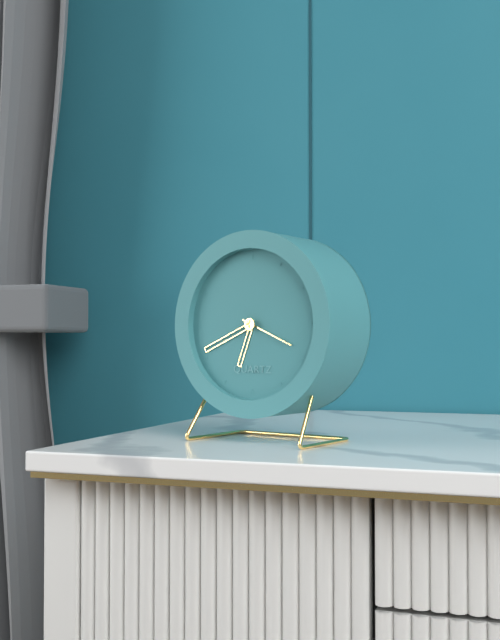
6:41:19
